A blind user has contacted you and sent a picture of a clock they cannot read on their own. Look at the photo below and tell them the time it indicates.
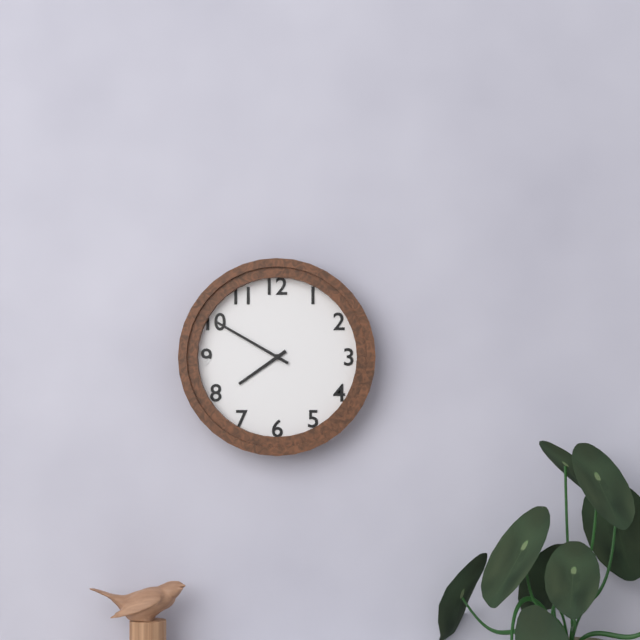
7:50
